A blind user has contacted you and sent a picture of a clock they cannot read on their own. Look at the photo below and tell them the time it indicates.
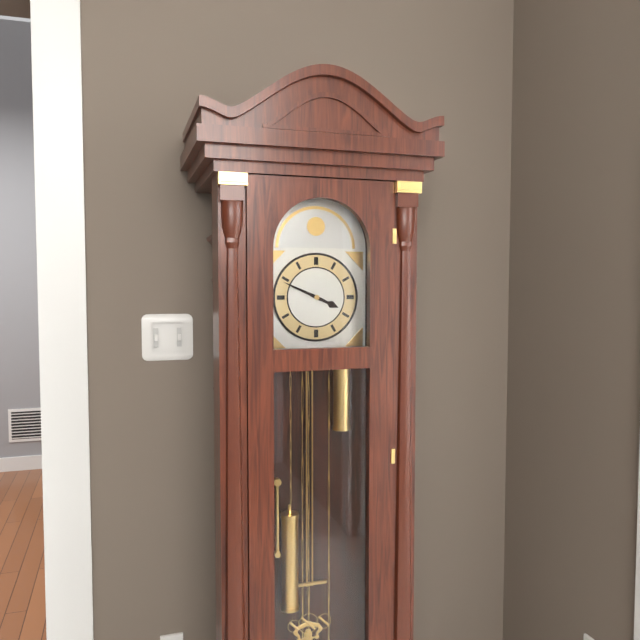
3:49
